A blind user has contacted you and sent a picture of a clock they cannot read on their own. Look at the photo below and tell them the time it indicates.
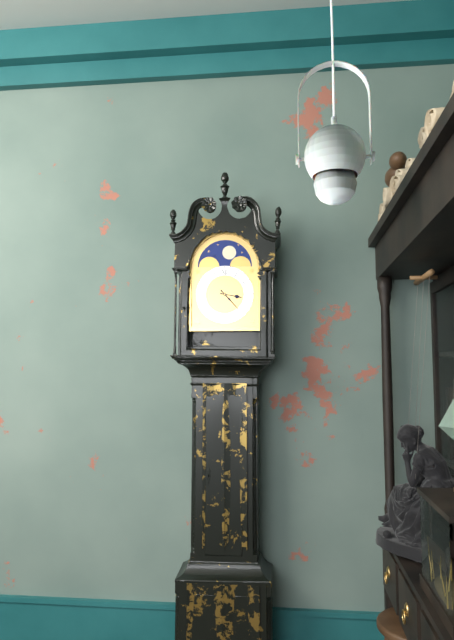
3:23
